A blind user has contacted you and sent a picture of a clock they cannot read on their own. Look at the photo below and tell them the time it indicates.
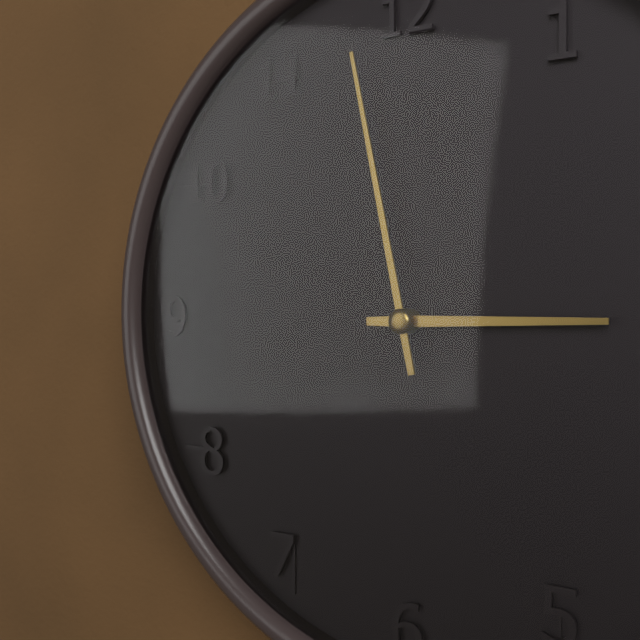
2:58
